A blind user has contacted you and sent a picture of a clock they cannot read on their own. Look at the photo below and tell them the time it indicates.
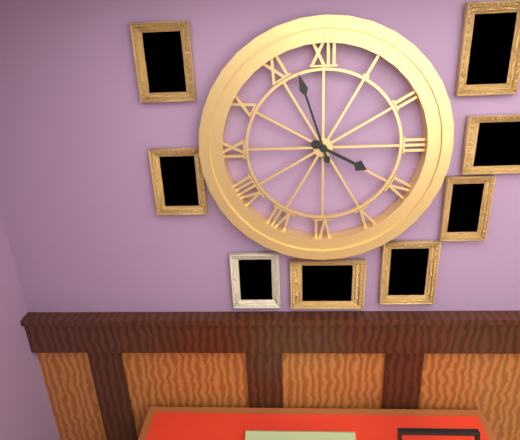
3:57
